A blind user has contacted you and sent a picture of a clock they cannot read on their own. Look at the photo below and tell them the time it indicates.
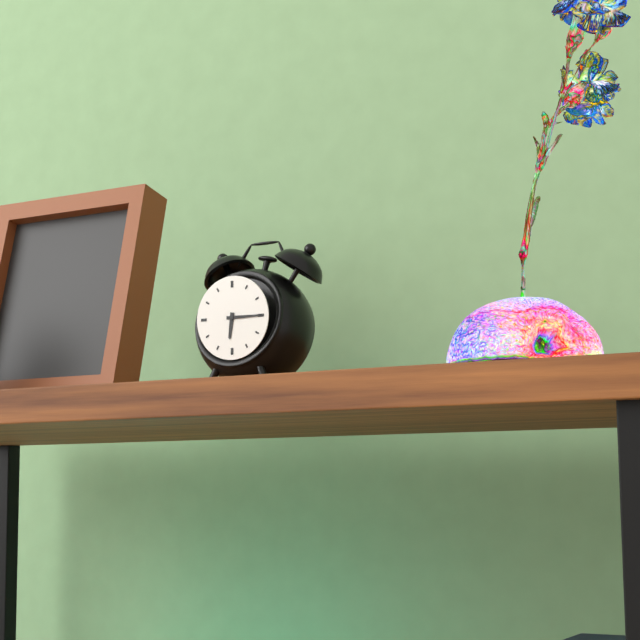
6:15
